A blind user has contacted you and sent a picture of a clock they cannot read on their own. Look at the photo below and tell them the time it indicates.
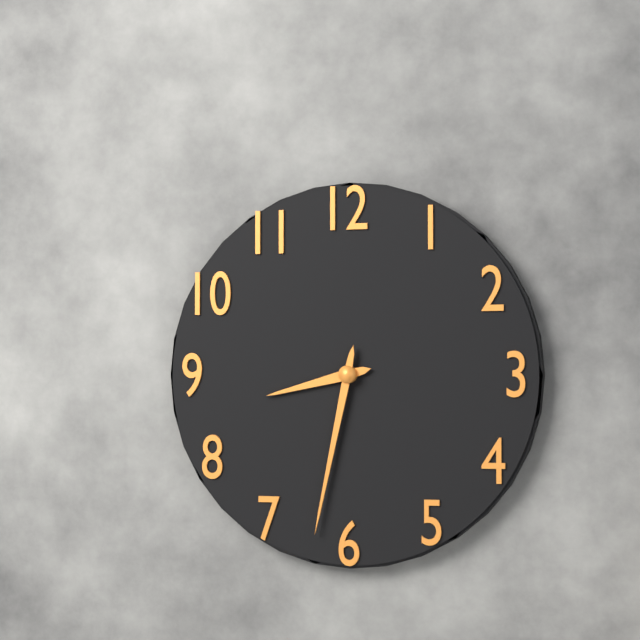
8:32
